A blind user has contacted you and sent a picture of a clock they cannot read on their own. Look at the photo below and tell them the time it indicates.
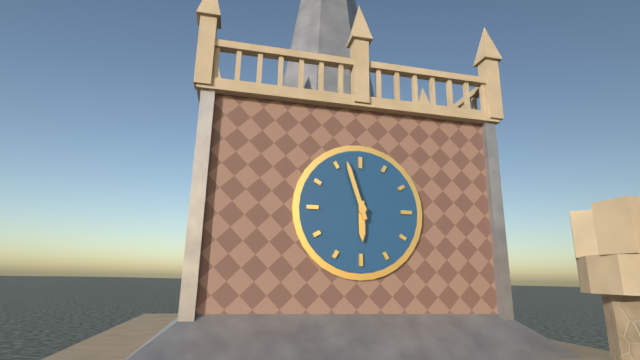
5:57
